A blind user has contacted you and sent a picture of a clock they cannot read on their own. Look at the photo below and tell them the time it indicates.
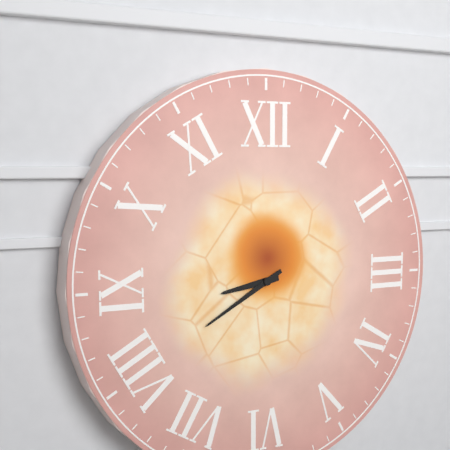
8:40
